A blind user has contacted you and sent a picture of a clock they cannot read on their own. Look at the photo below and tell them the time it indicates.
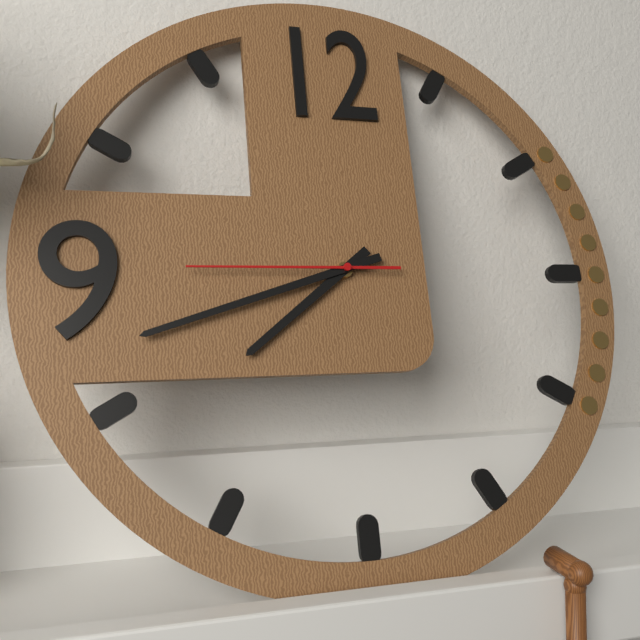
7:42:45
